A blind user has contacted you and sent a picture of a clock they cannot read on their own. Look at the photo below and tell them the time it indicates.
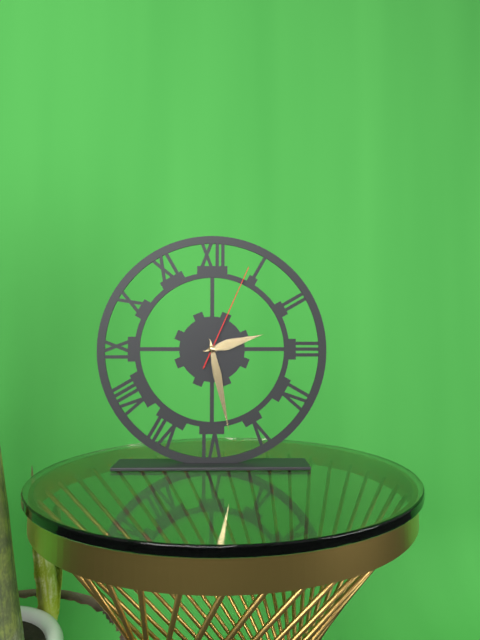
2:28:04
